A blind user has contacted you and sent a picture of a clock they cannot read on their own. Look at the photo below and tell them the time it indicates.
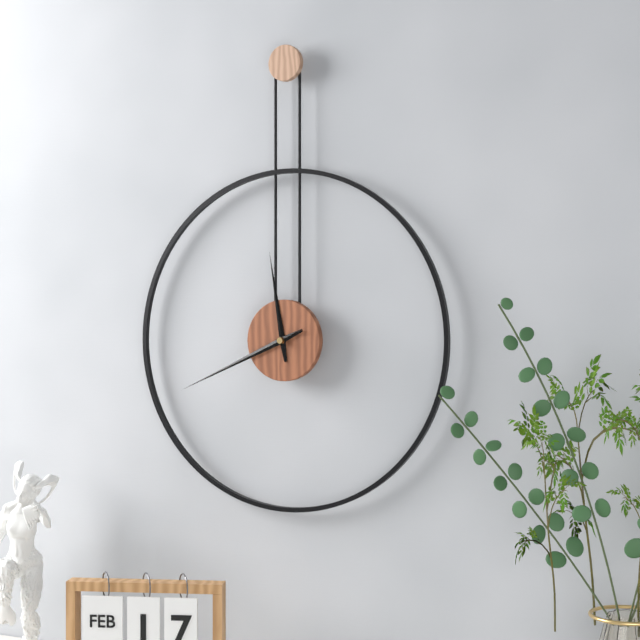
11:41
